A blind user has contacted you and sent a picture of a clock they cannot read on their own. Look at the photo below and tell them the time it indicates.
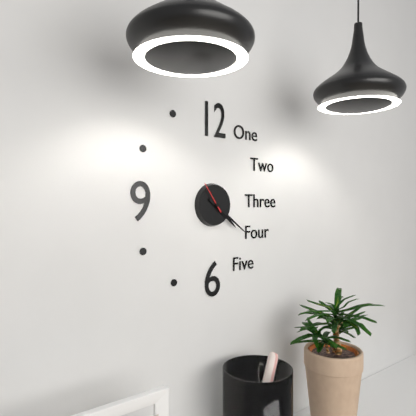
4:21
